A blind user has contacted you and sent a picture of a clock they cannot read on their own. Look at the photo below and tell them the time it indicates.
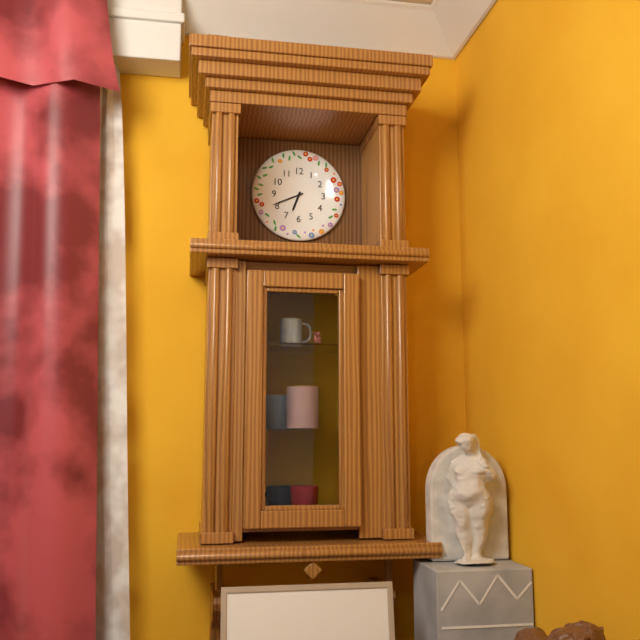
6:41
